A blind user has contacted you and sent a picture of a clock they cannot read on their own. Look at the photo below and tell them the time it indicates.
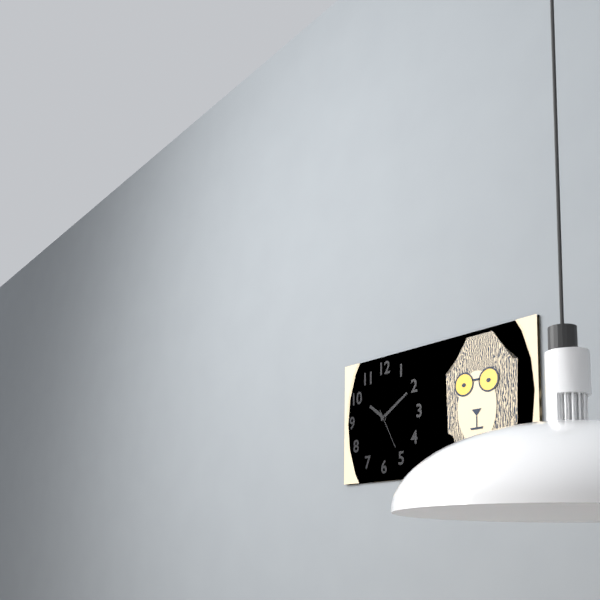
10:10
